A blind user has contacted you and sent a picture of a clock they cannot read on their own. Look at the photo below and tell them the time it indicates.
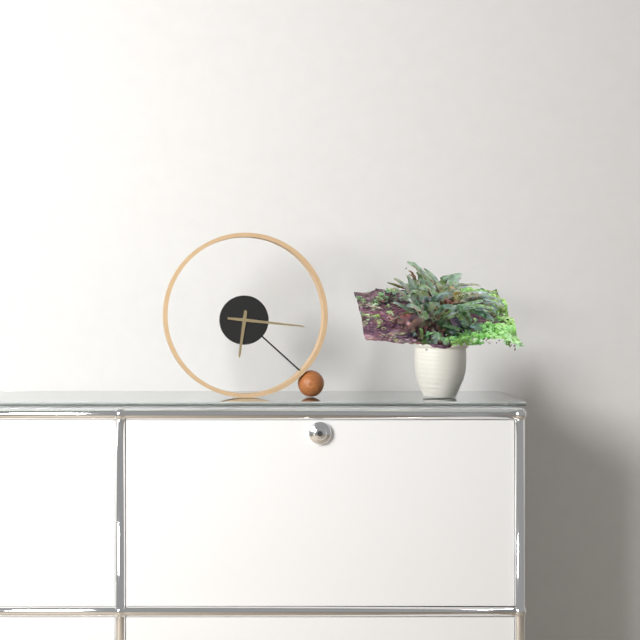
6:16
